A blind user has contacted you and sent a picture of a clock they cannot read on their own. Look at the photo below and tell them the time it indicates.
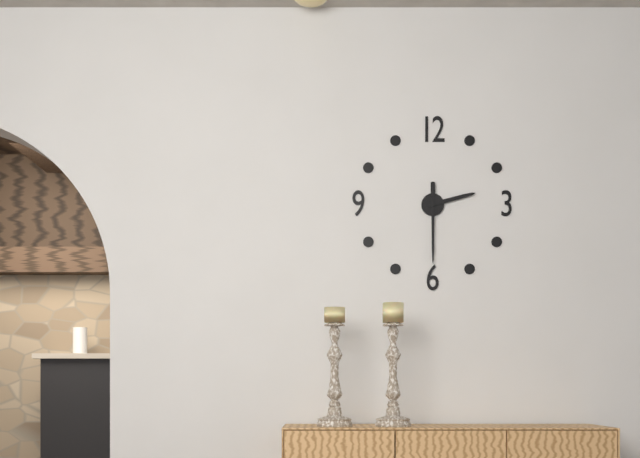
2:30
